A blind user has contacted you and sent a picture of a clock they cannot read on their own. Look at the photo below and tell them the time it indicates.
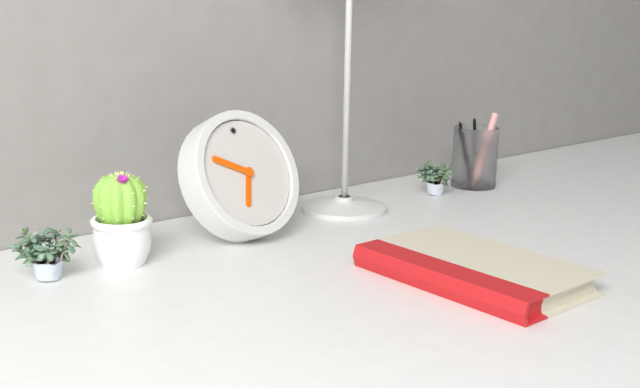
6:50
